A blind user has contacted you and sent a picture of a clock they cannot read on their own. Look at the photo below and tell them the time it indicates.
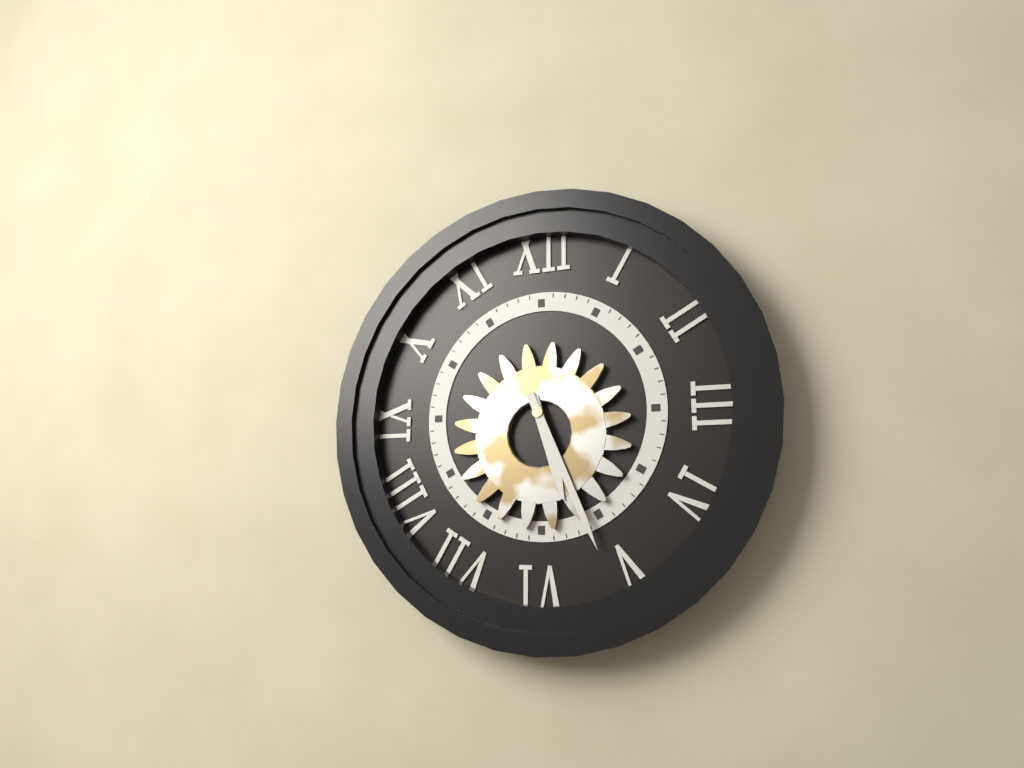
5:26
